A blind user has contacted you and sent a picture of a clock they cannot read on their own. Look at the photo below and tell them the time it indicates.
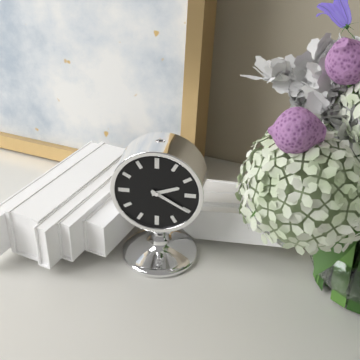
2:20
